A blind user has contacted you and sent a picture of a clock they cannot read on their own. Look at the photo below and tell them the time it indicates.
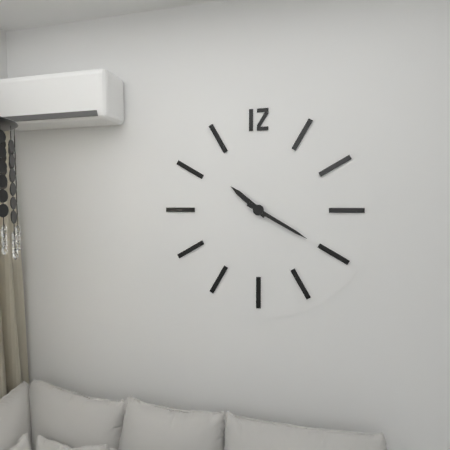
10:20
